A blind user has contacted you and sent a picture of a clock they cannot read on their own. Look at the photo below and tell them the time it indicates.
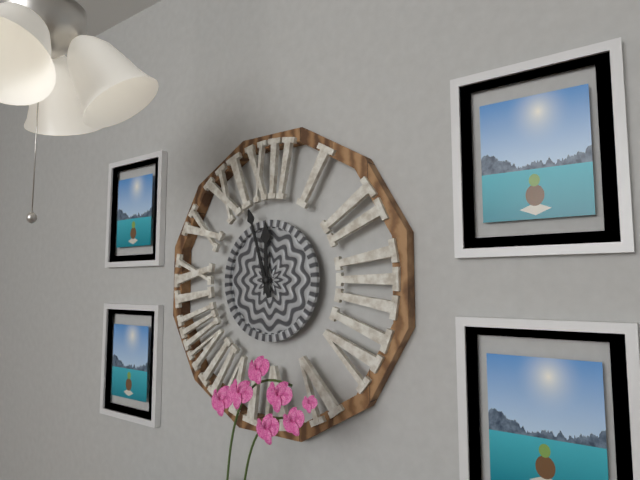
11:57
